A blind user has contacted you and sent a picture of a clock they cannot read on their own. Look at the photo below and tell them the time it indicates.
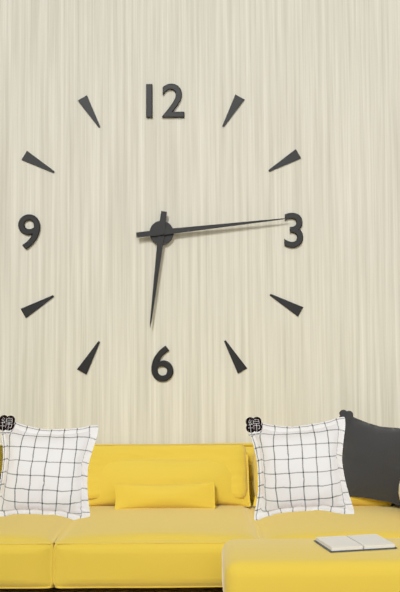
6:14
